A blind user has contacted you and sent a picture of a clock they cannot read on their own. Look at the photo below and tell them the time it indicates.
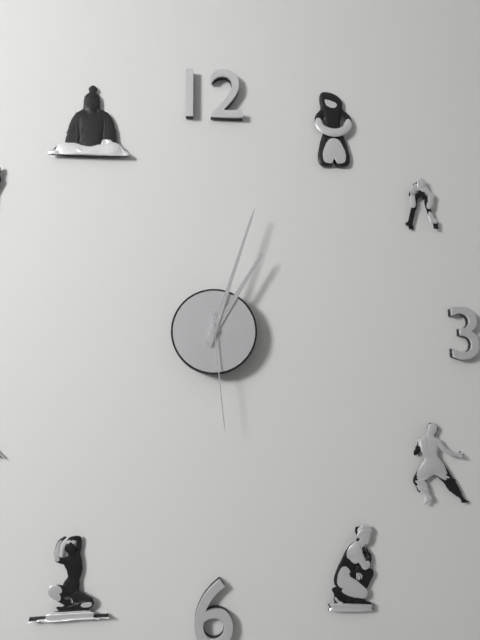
1:03:29
